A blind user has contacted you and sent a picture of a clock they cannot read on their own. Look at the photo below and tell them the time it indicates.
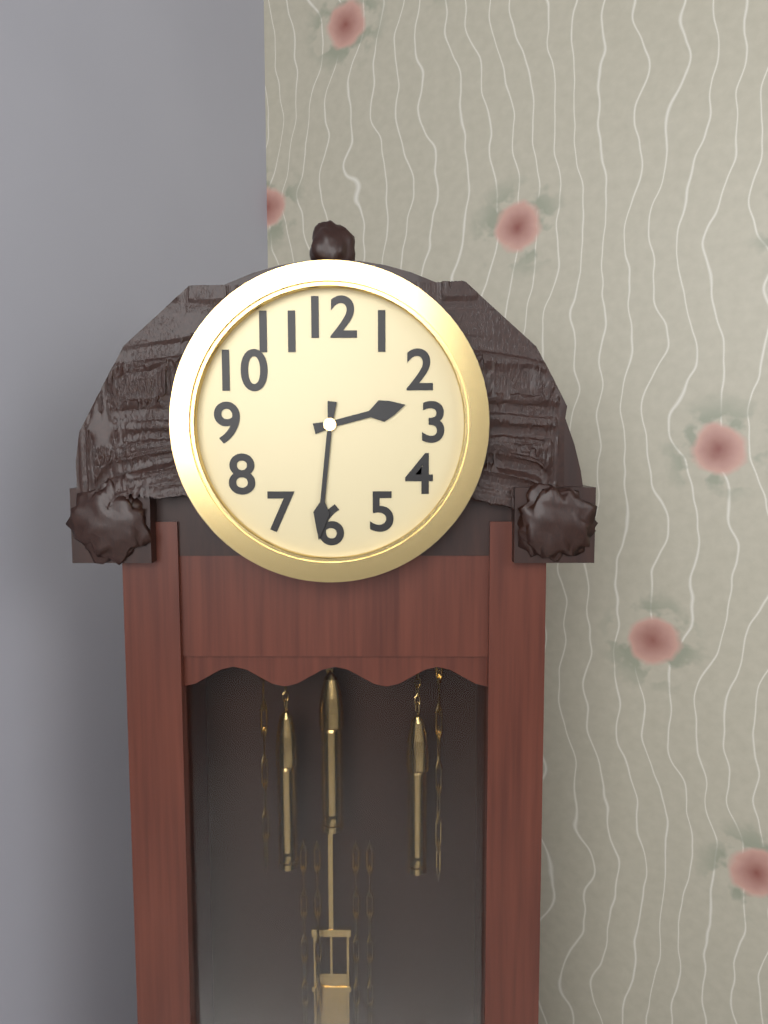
2:31
